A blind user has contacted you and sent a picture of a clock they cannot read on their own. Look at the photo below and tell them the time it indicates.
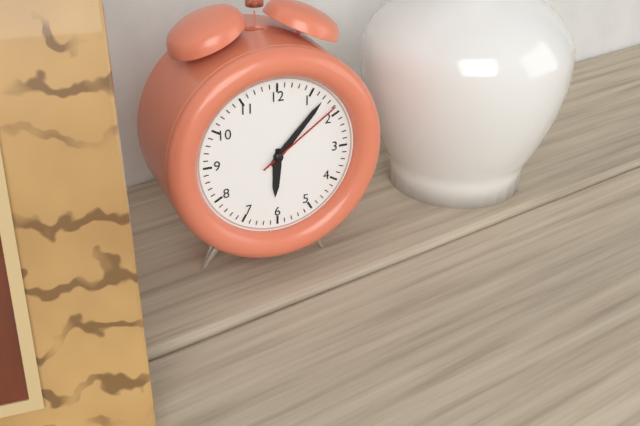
6:07:09
